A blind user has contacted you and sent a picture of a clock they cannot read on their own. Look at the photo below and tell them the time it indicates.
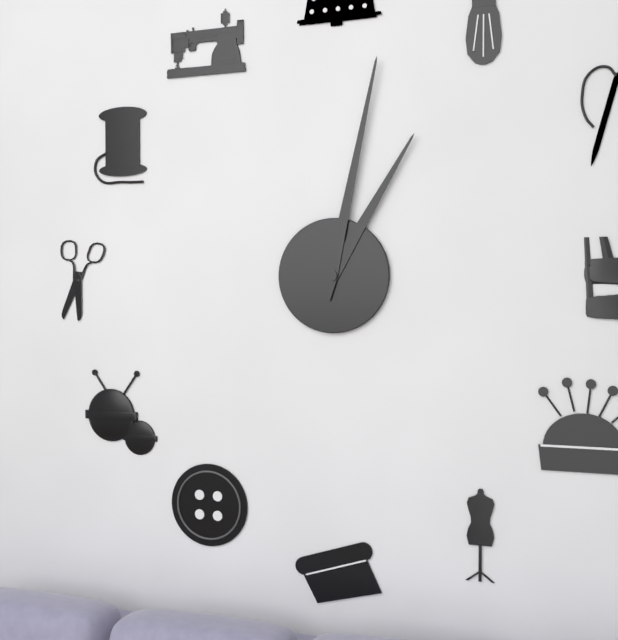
1:02
